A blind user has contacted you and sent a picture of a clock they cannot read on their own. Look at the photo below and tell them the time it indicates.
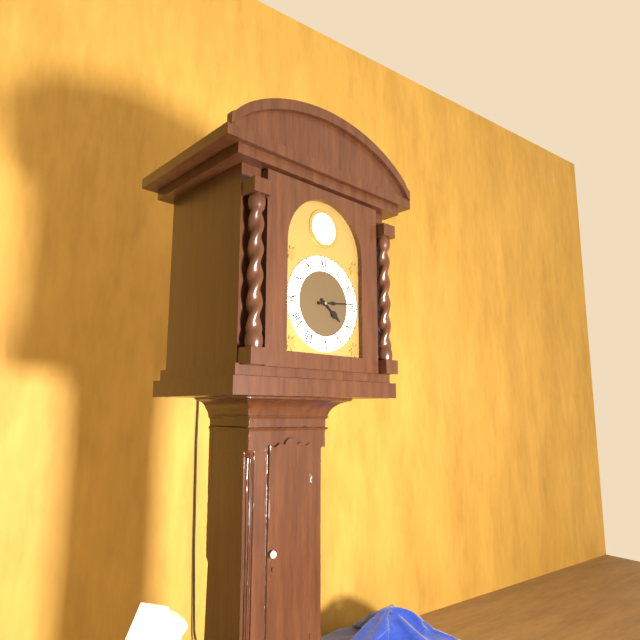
4:14
